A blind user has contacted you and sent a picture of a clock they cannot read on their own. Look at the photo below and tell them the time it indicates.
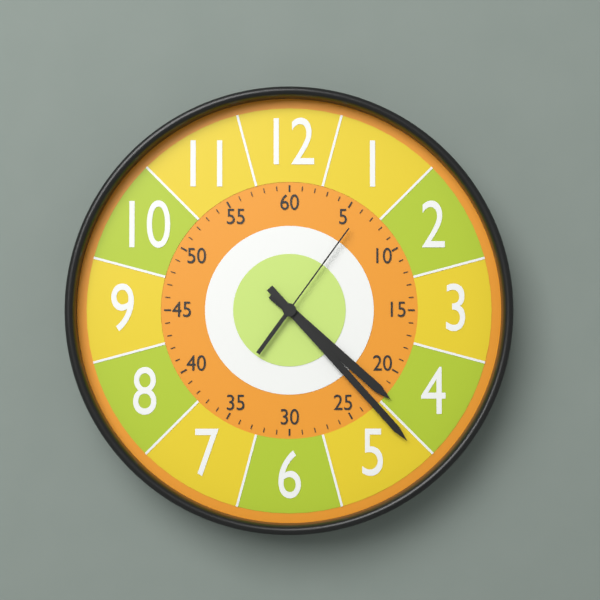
4:23:06
